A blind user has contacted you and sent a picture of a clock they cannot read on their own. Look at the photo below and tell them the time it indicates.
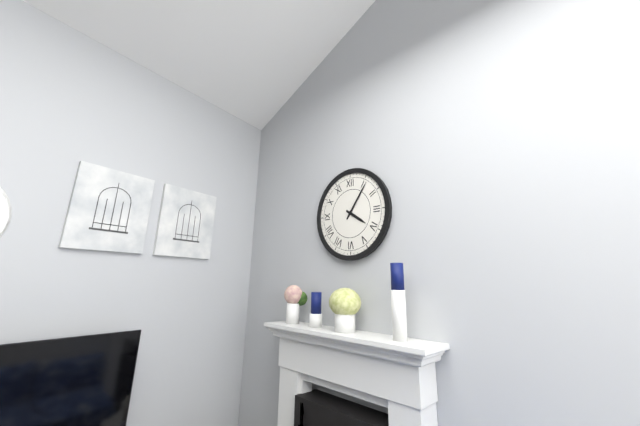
4:06
